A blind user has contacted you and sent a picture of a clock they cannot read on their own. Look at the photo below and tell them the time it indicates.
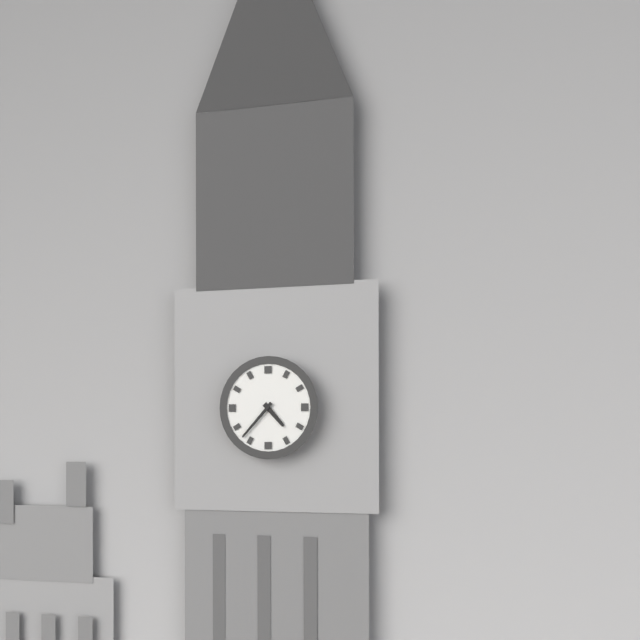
4:37
